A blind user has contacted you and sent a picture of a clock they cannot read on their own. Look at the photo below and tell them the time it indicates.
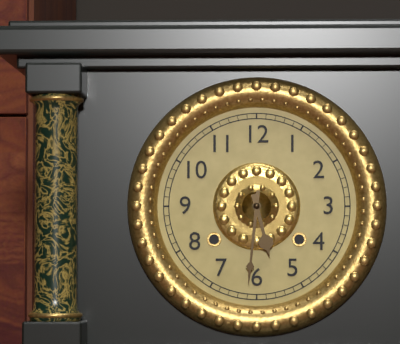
5:31
